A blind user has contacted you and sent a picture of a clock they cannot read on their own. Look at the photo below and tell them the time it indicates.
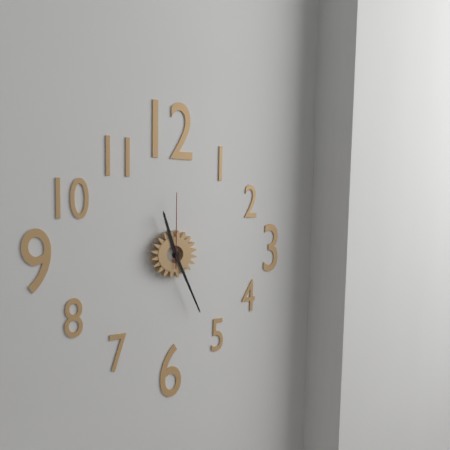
11:26:00
